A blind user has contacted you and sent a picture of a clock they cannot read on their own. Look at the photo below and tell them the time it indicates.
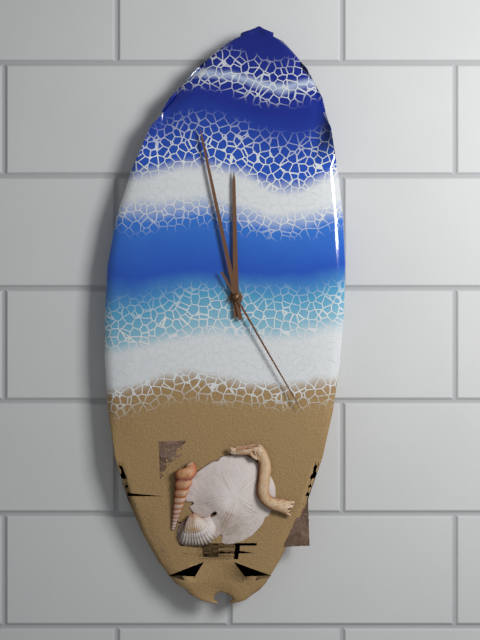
11:58:25
